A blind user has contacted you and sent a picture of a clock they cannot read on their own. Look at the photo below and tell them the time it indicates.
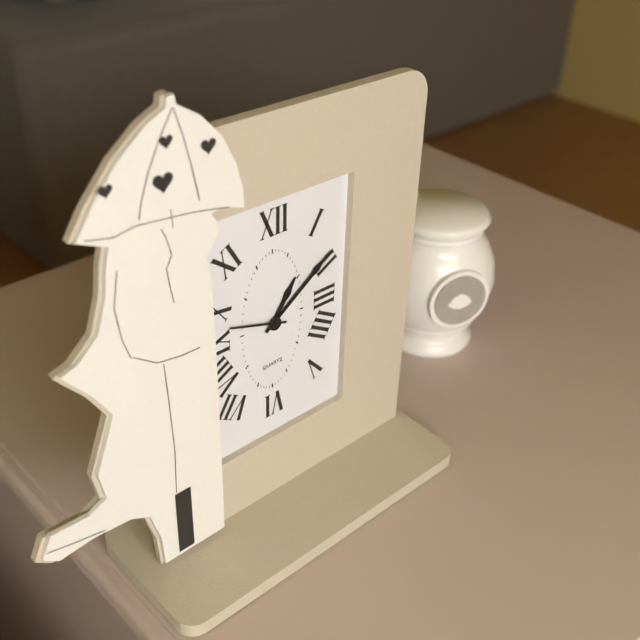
1:09:48
